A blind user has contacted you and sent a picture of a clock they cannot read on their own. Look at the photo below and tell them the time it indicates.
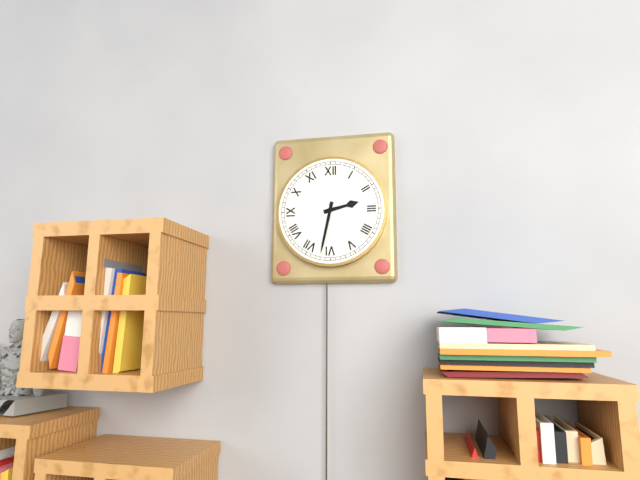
2:32
